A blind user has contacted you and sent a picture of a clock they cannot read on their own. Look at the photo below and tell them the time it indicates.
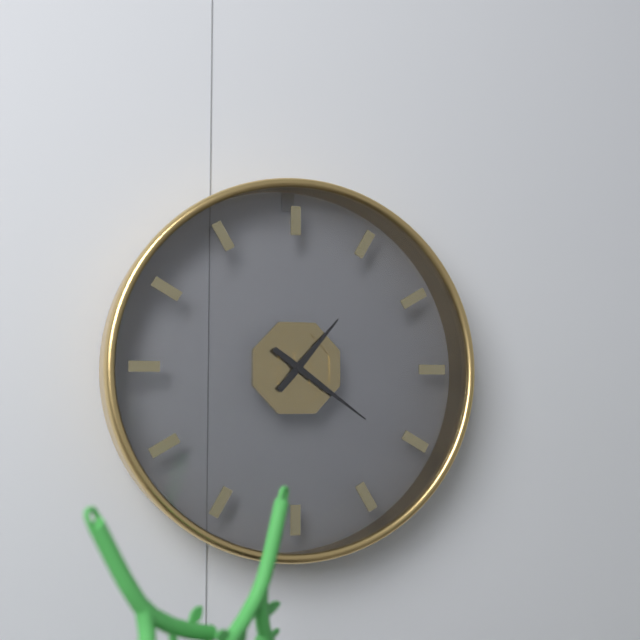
1:21
